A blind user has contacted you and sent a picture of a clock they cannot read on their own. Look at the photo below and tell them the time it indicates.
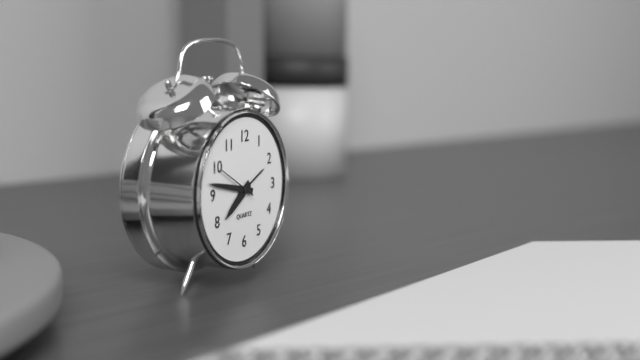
7:47
